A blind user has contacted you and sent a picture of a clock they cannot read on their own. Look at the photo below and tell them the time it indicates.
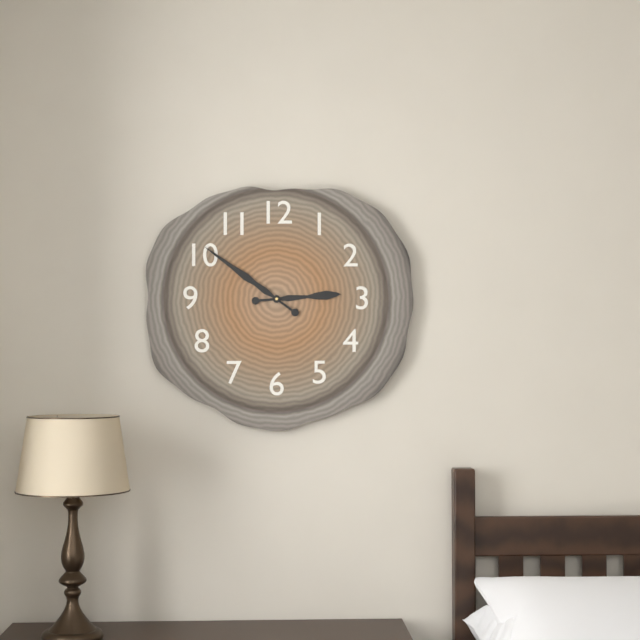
2:51
